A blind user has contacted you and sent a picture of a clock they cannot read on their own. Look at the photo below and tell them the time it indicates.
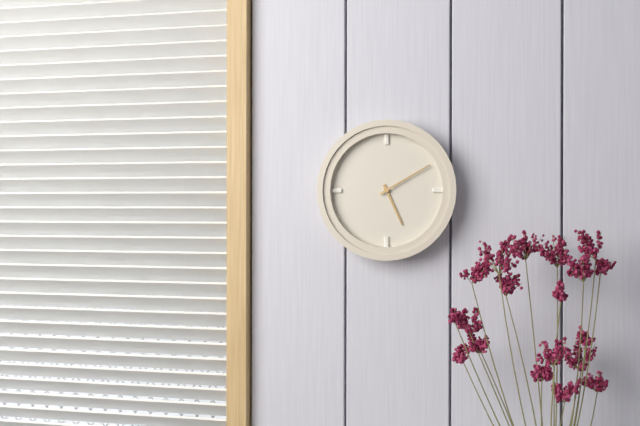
5:10
